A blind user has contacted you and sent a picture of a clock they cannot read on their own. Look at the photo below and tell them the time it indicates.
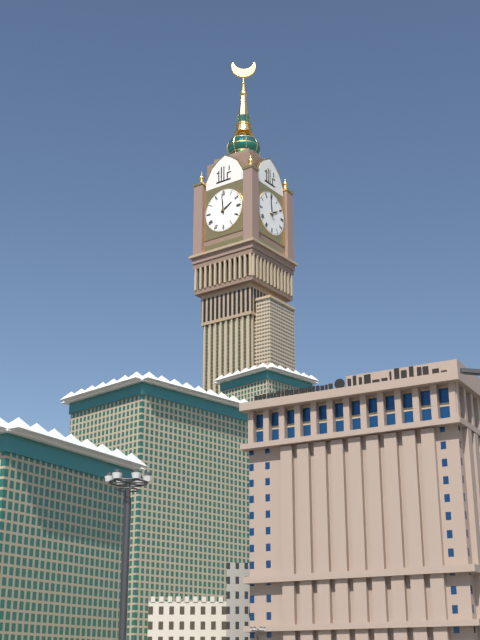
1:59
